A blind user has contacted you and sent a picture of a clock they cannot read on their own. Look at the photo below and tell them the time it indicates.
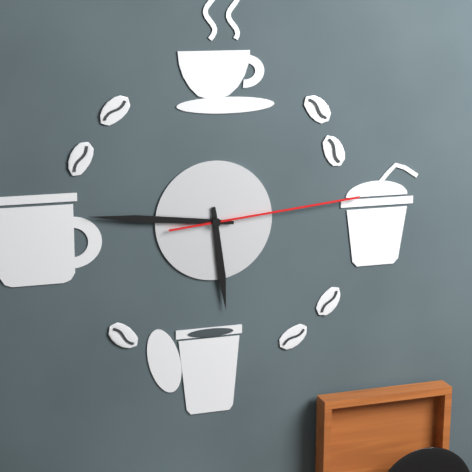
5:46:14
